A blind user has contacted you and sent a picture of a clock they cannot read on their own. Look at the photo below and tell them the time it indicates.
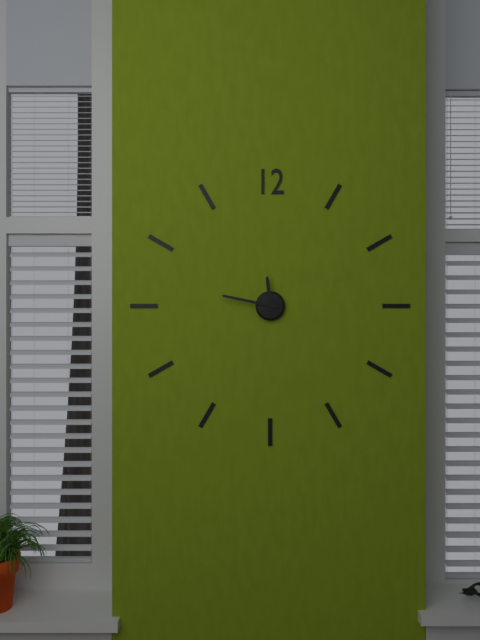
11:47
